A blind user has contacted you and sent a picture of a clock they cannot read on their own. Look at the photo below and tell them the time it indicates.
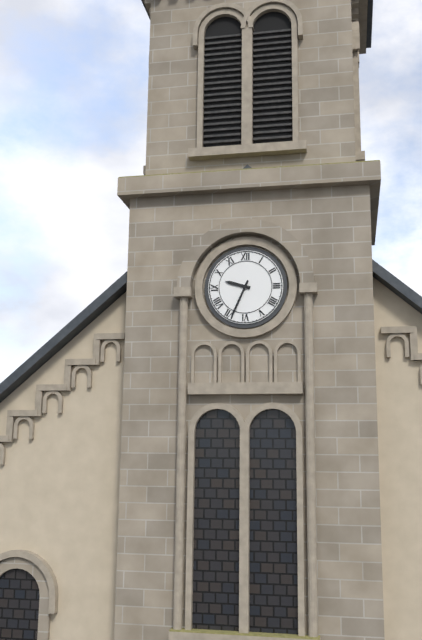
9:34
